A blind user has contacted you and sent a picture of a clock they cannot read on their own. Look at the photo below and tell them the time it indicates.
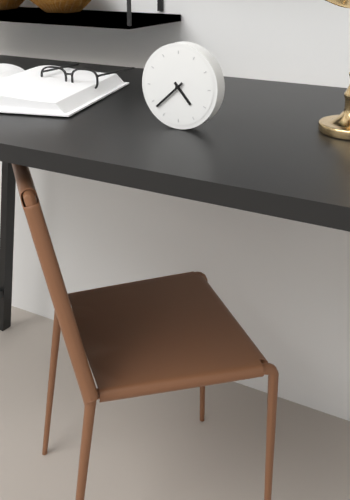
4:38
